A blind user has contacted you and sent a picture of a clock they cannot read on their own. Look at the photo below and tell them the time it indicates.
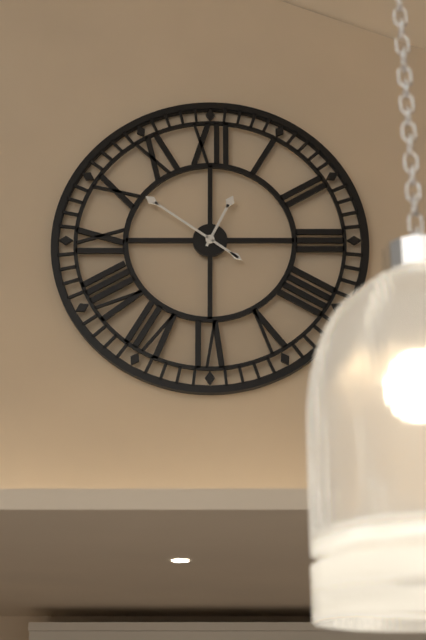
12:51
